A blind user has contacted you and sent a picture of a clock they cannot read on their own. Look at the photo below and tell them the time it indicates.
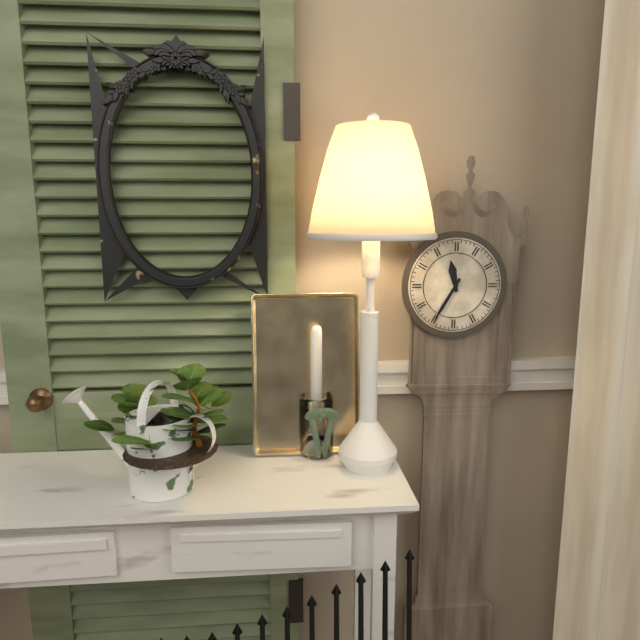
11:35
